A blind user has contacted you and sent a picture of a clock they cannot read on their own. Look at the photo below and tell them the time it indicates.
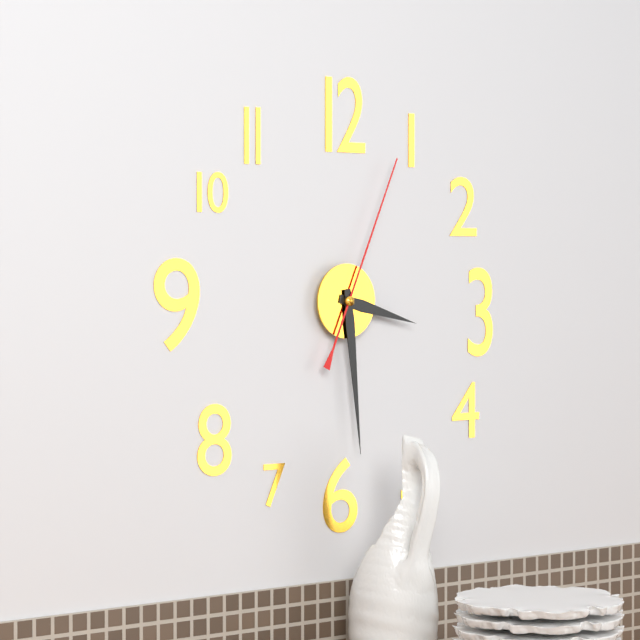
3:29:04
